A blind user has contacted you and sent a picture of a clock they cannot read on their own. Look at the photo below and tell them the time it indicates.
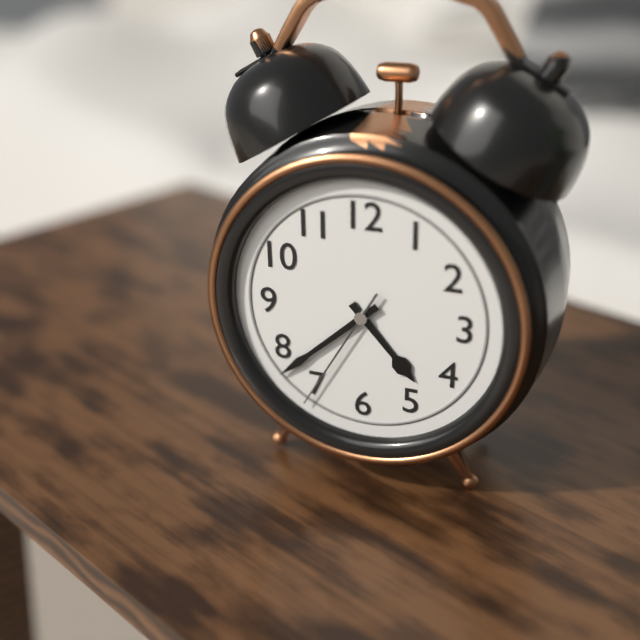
4:38:35
